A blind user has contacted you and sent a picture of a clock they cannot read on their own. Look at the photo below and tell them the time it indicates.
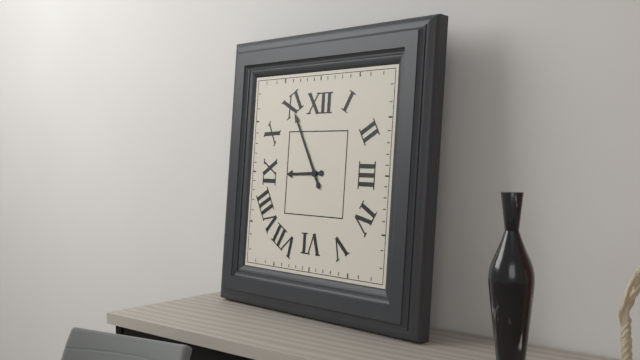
8:55
